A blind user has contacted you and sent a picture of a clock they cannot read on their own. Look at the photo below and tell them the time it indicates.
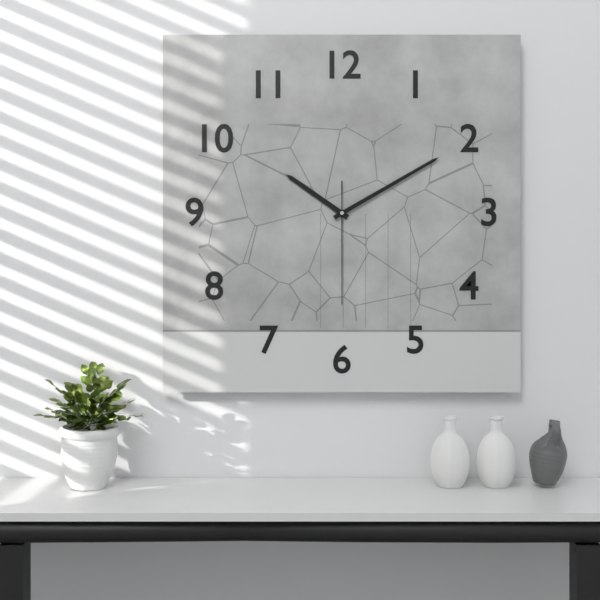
10:10:30
